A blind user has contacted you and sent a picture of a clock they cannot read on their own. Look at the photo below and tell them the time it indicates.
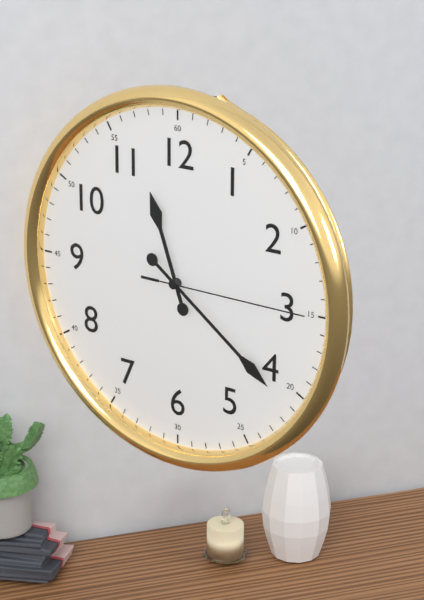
11:21:15
